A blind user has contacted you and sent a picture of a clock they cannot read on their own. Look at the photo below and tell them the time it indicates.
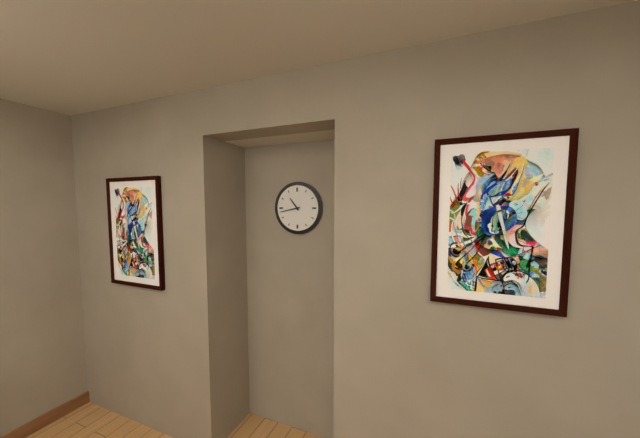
10:43
